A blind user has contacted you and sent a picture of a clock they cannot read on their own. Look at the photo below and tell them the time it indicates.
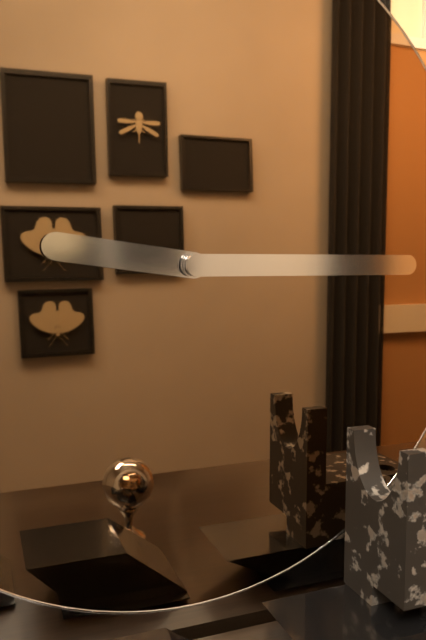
9:15
